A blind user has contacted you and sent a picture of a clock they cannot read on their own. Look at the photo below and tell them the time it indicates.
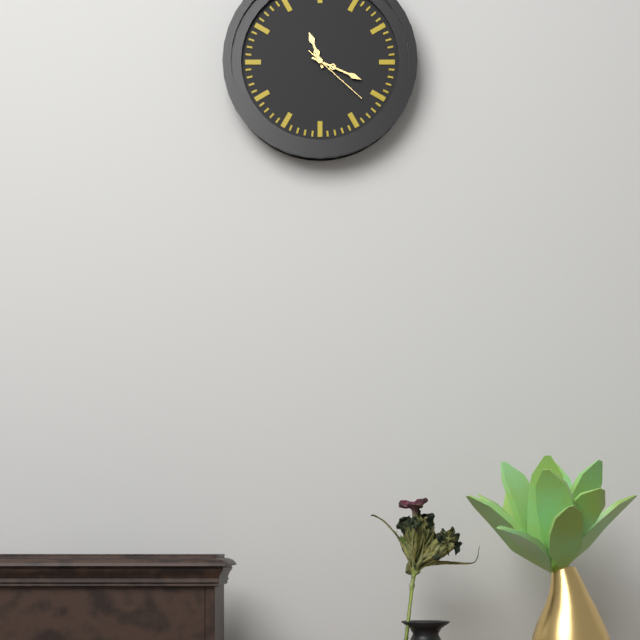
11:19:22
